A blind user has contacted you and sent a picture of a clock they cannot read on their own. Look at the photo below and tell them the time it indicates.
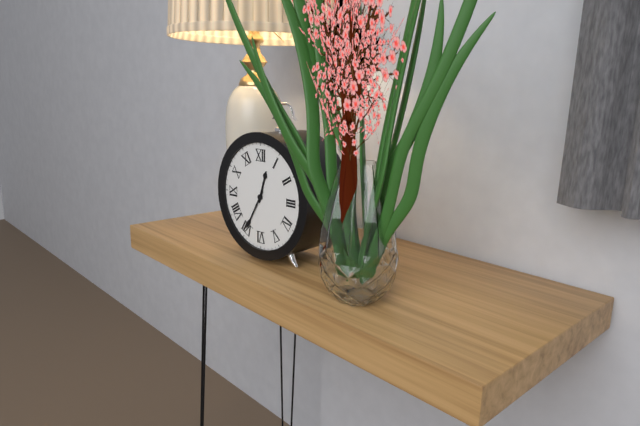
12:35
